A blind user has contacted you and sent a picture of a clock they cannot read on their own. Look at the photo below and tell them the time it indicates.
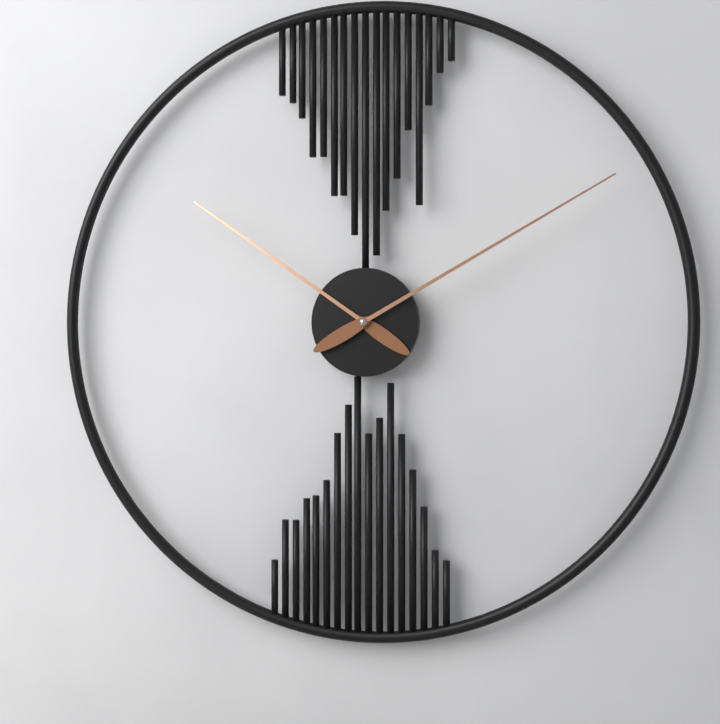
10:10
